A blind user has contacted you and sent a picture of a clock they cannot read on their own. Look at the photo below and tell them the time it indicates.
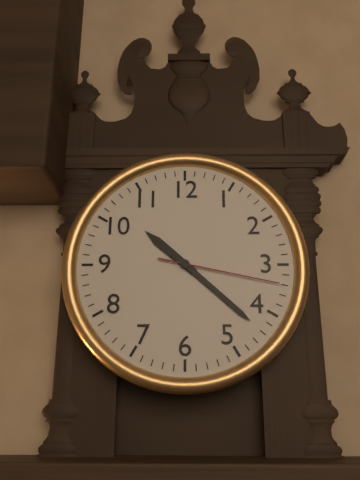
10:22:17
